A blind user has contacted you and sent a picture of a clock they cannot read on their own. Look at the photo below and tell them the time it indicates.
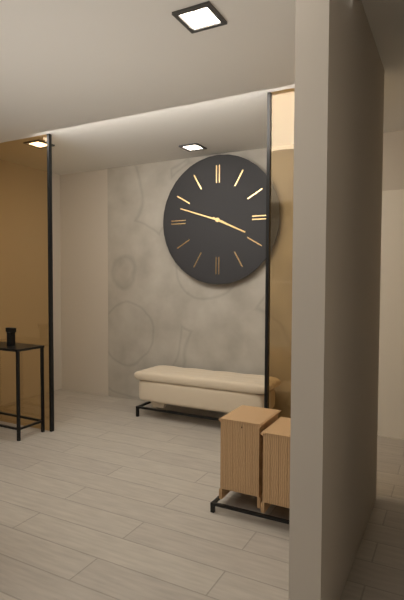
3:48
